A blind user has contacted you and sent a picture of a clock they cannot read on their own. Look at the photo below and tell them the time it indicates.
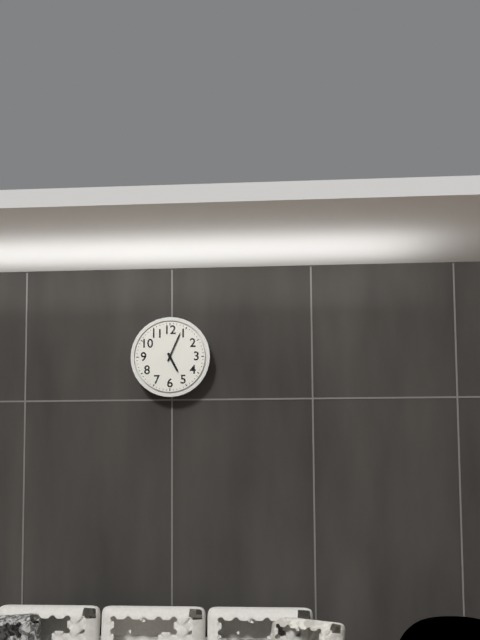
5:04
